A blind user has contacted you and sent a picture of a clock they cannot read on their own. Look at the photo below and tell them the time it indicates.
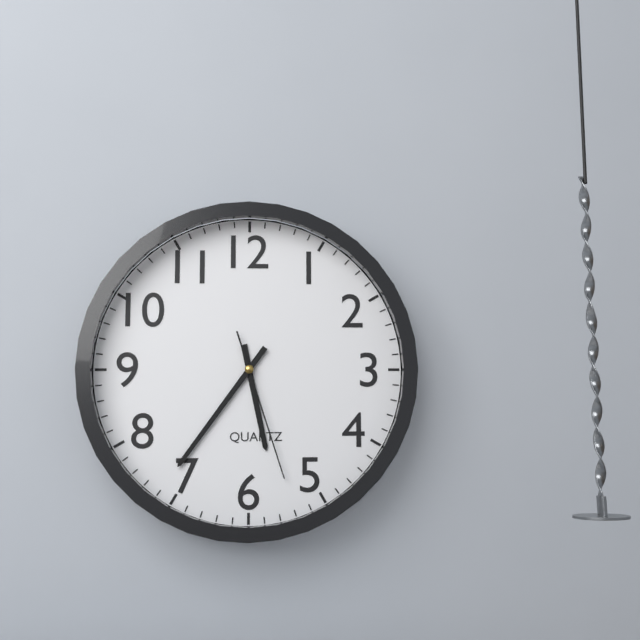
5:36:27
